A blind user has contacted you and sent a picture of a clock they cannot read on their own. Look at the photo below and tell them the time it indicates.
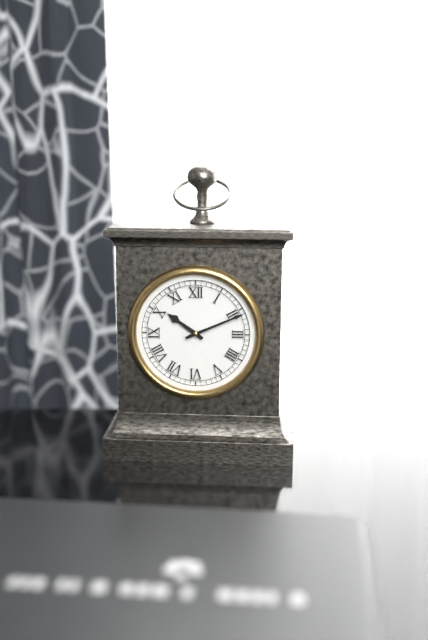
10:11
